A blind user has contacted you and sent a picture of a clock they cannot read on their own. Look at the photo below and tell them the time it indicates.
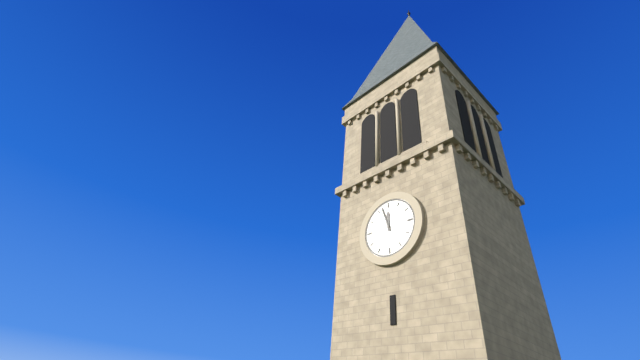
11:57
